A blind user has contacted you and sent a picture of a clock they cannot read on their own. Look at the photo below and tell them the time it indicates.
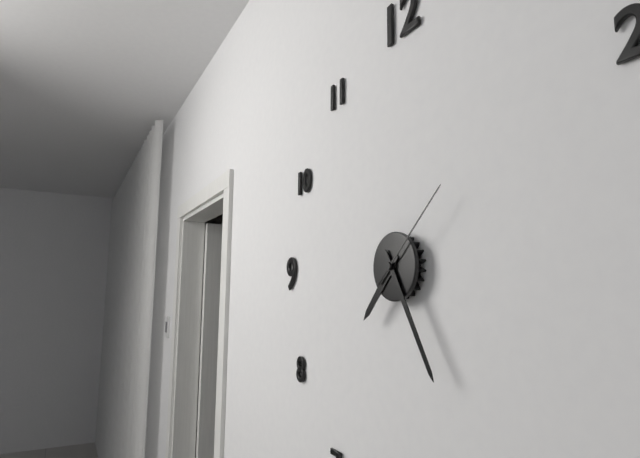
7:25:08
